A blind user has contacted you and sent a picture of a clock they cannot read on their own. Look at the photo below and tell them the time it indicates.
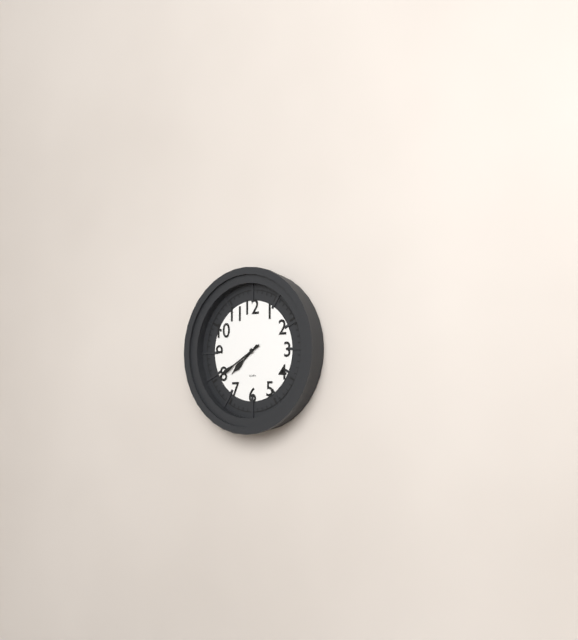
7:40
